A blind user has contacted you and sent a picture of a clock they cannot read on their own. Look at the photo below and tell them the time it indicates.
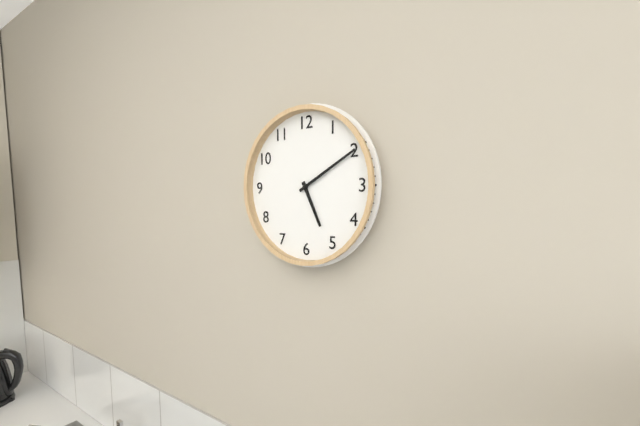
5:10
